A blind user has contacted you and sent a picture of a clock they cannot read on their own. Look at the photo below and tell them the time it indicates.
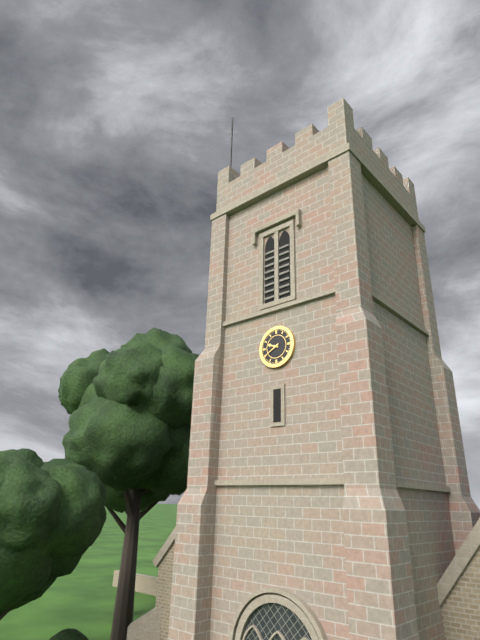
9:40
